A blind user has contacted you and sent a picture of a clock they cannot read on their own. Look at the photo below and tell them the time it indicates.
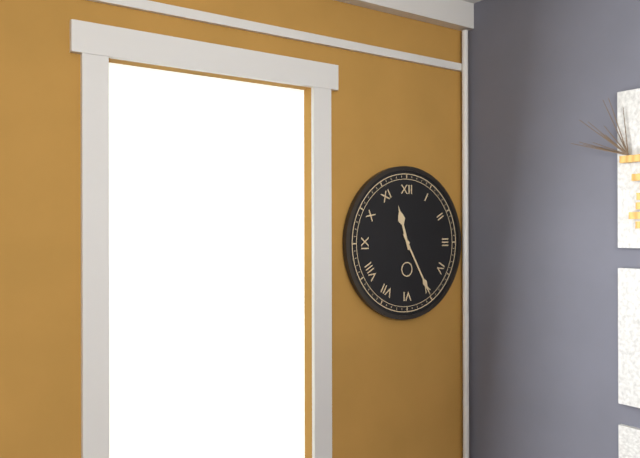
11:25
